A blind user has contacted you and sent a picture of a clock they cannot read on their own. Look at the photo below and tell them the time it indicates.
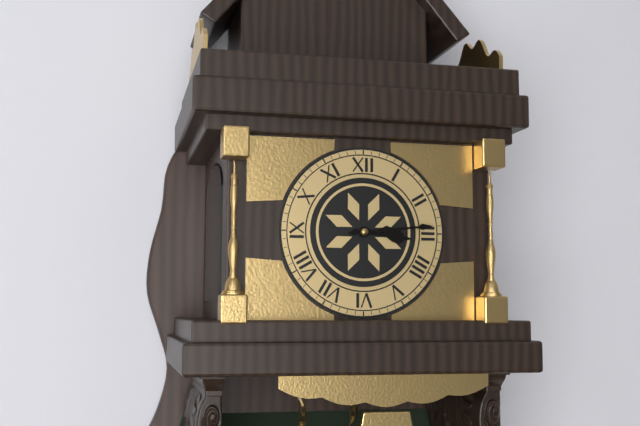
3:14
